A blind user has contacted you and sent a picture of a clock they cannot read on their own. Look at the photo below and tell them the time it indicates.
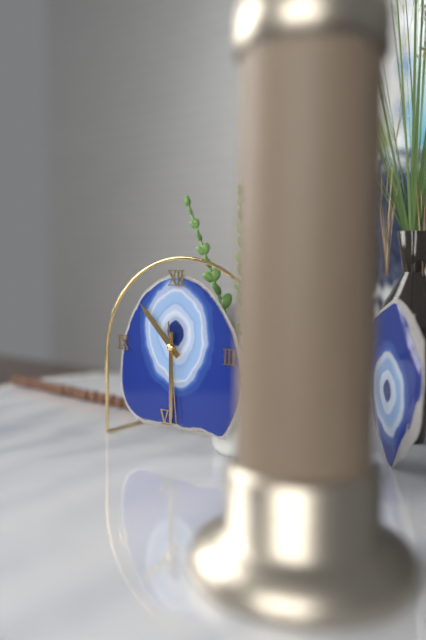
10:30:29
